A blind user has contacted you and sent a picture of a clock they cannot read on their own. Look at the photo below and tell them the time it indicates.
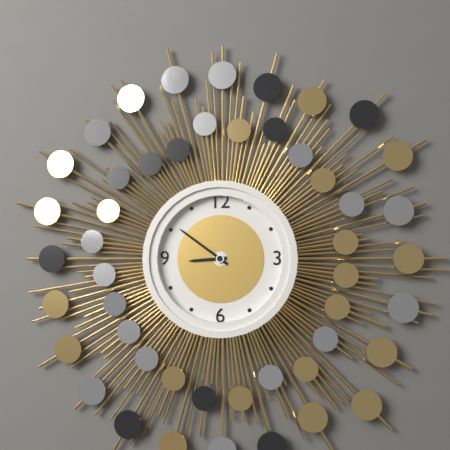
8:51
